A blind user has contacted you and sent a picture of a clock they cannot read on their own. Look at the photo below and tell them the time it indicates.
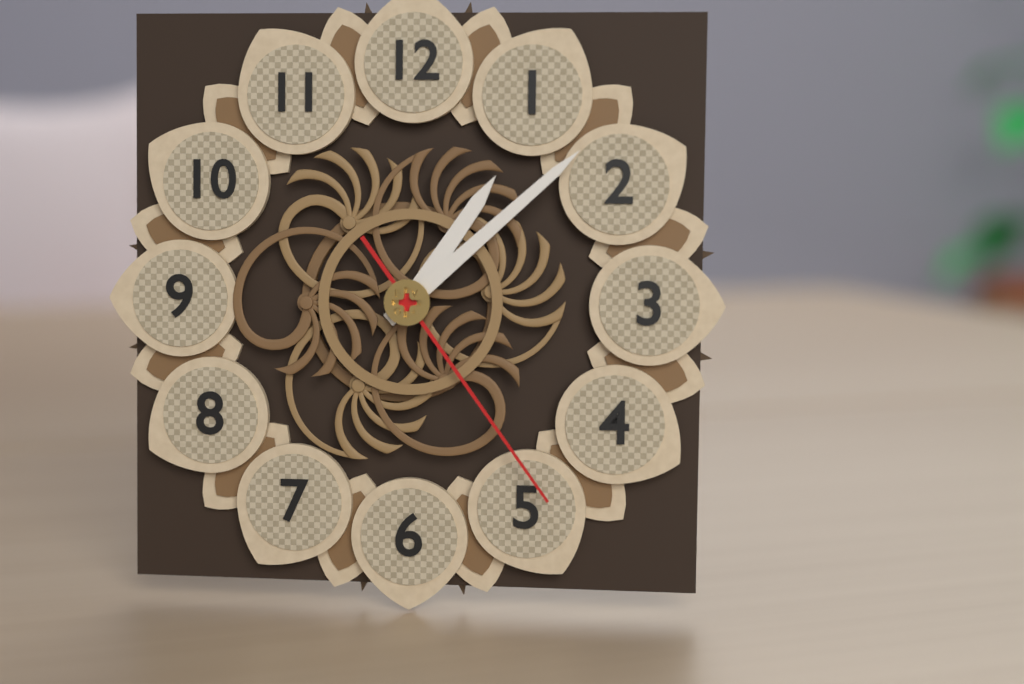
1:08:24
